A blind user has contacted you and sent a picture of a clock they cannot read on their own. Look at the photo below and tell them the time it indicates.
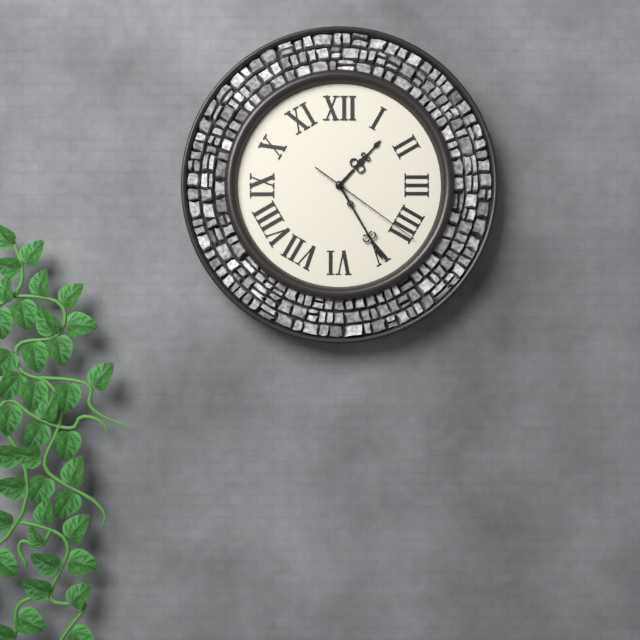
1:25:21
